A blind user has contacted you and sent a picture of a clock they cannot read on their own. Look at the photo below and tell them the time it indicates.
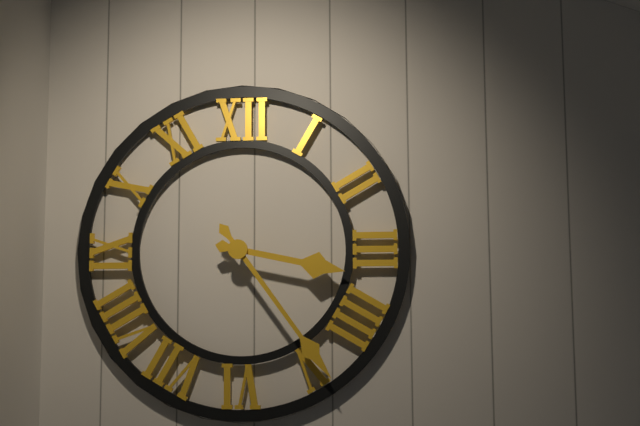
3:24
